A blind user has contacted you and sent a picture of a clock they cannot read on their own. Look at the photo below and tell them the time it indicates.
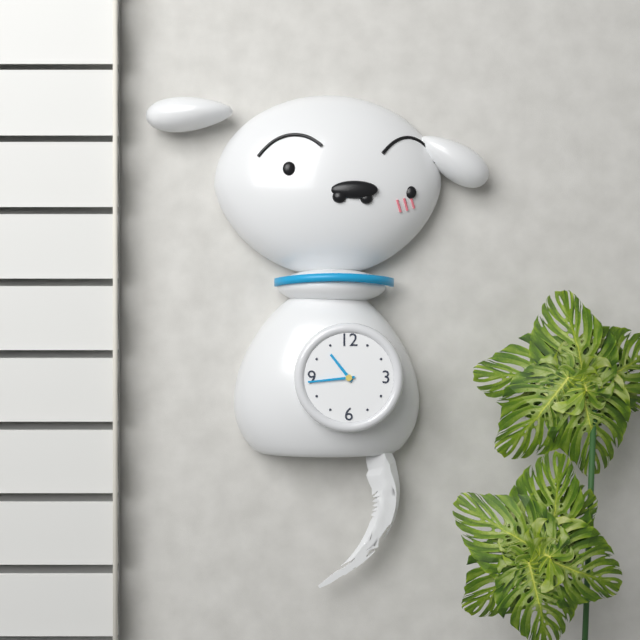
10:44
